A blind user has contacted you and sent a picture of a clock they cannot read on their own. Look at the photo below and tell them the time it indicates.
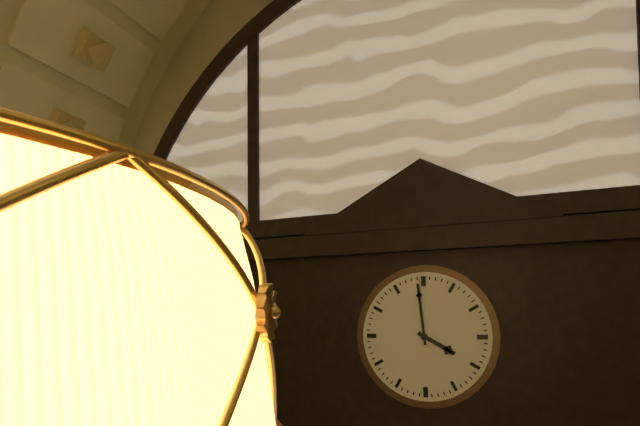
3:59
